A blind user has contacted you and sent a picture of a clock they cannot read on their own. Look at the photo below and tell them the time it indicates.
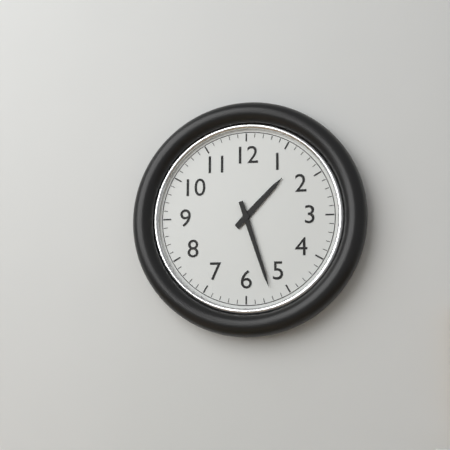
1:27
